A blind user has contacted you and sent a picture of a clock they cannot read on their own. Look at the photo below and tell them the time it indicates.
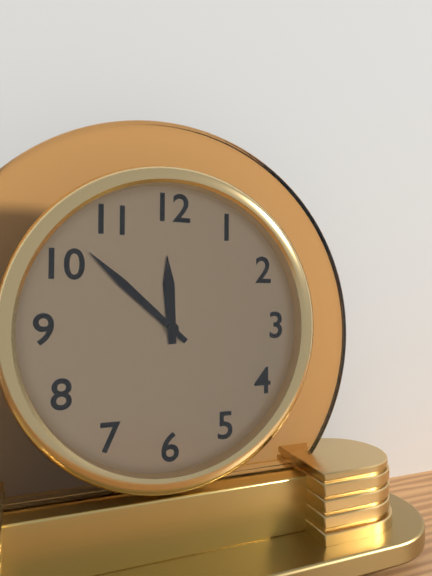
11:52
